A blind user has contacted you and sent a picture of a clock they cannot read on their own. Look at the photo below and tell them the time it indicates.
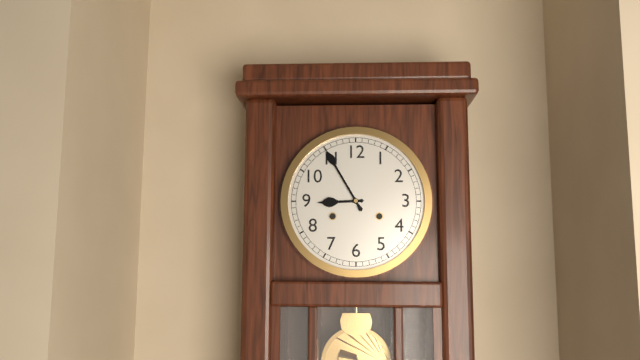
8:55
